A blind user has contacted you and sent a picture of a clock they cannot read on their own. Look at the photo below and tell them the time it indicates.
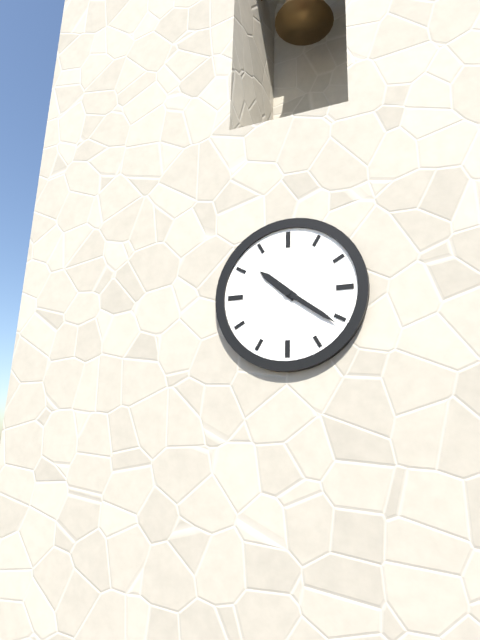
10:21
